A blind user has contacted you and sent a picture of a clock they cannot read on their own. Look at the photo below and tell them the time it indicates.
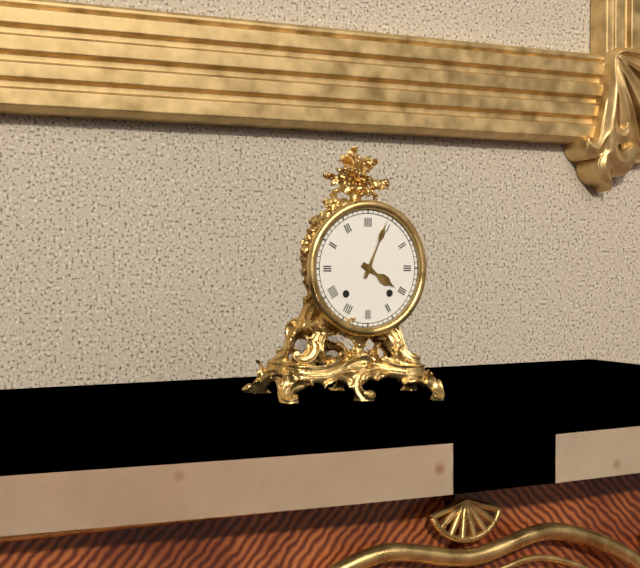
4:04
